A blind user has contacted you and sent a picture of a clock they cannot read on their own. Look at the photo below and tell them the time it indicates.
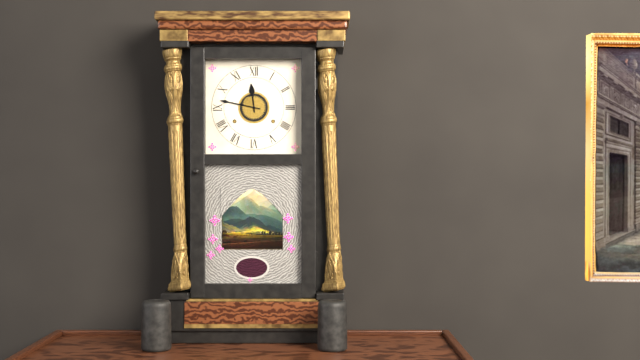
11:47
